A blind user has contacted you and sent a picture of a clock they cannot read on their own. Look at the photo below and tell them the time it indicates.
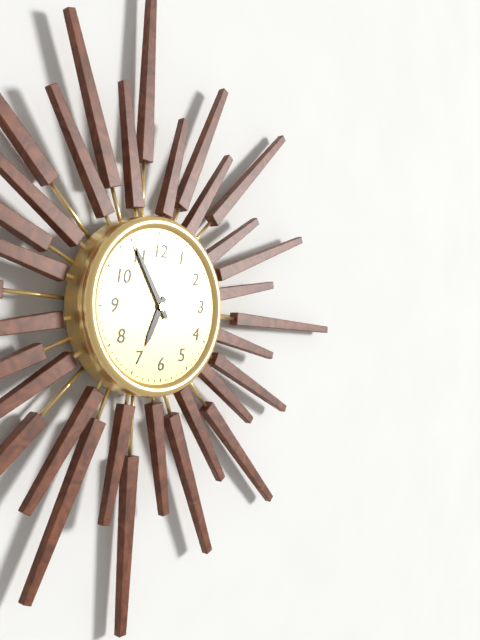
6:55
